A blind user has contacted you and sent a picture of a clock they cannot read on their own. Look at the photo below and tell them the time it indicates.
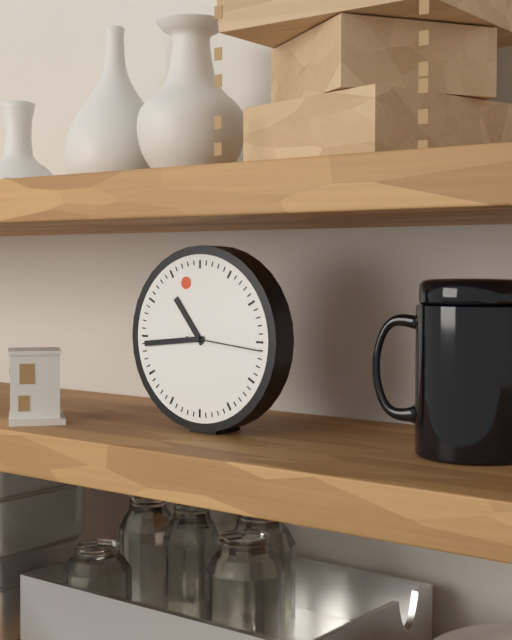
10:44:16
